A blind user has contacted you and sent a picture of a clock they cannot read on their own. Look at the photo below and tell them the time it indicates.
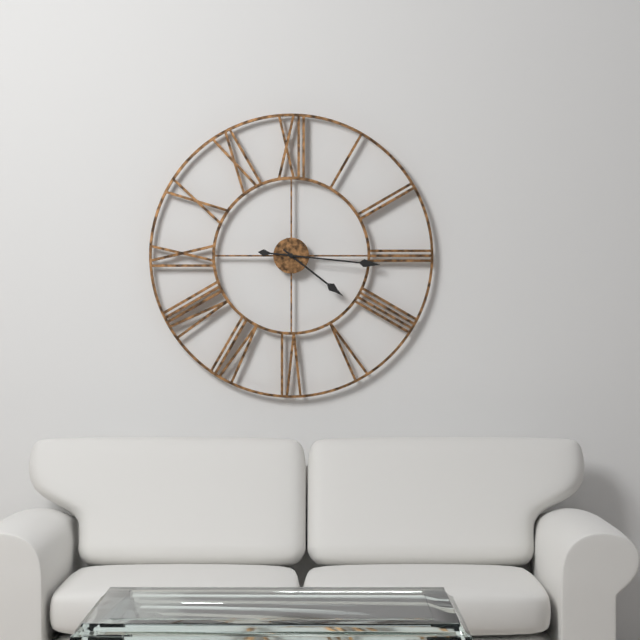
4:16
